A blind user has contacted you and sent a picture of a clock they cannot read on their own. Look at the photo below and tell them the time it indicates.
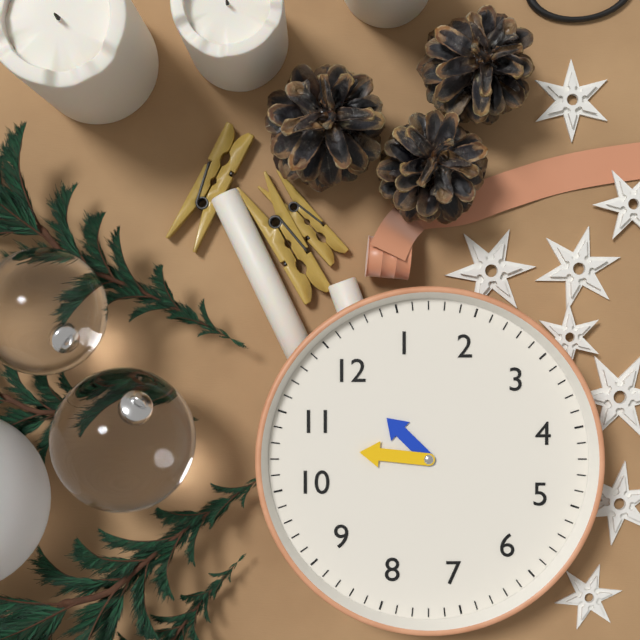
11:53
